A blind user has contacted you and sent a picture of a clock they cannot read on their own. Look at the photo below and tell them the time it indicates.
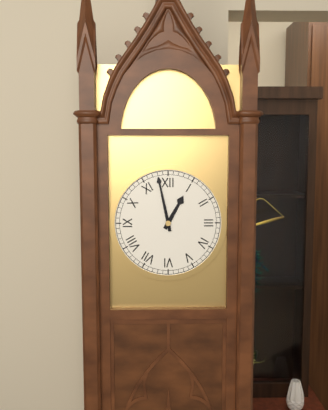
12:58
